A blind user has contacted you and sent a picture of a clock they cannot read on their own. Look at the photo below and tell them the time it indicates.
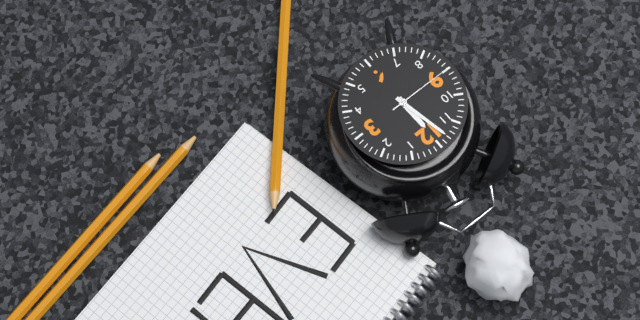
11:58:45
